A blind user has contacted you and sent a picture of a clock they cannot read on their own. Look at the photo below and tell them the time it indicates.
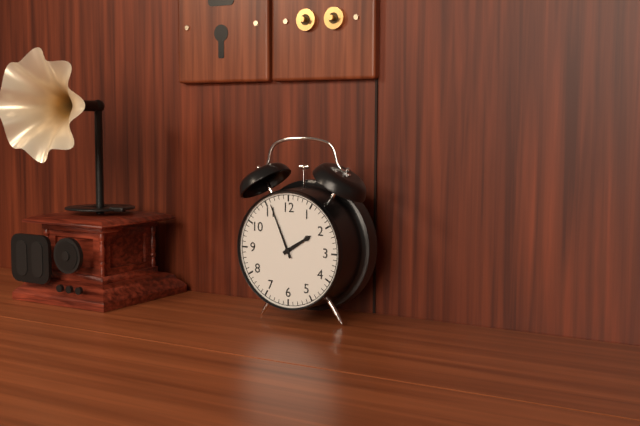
1:56
